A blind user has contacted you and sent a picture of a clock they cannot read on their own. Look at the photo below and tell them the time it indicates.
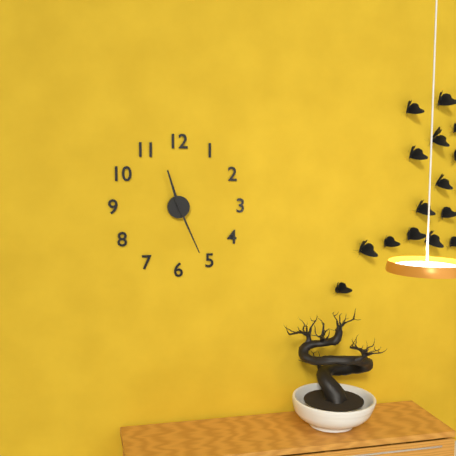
11:26
